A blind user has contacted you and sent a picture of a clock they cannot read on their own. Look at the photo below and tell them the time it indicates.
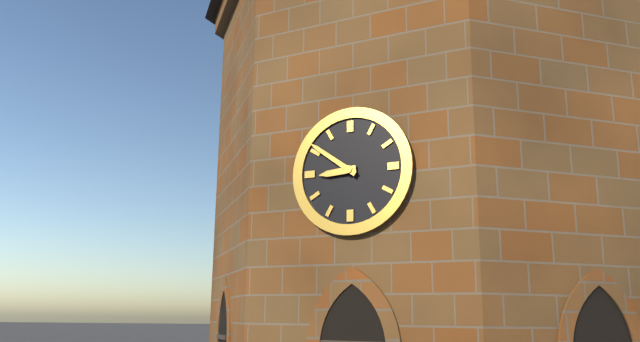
8:51
